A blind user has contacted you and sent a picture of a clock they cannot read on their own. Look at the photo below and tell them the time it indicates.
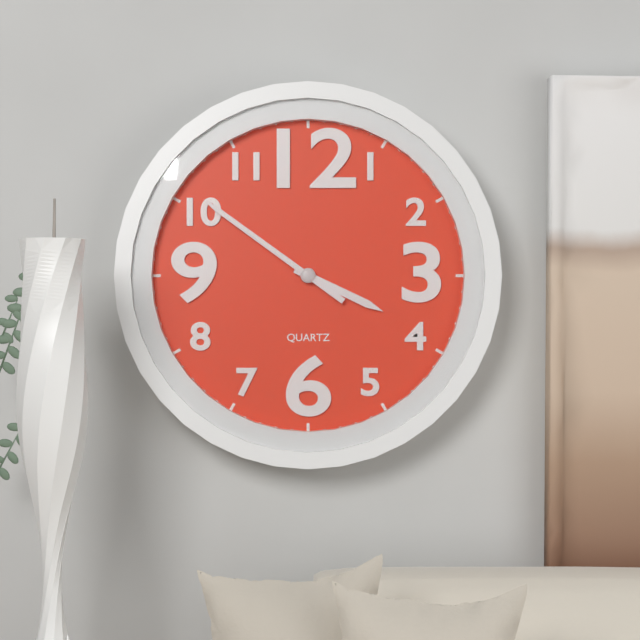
3:51
